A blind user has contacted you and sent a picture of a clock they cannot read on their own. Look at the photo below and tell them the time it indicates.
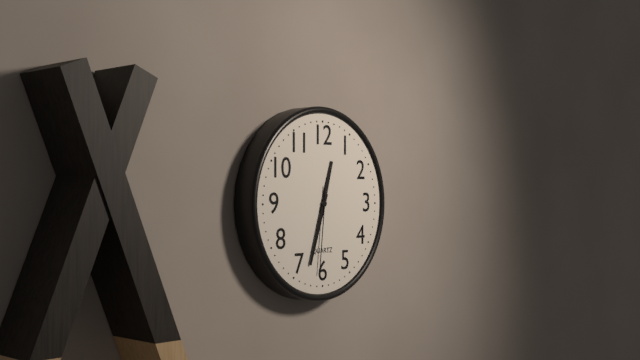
12:33:31
